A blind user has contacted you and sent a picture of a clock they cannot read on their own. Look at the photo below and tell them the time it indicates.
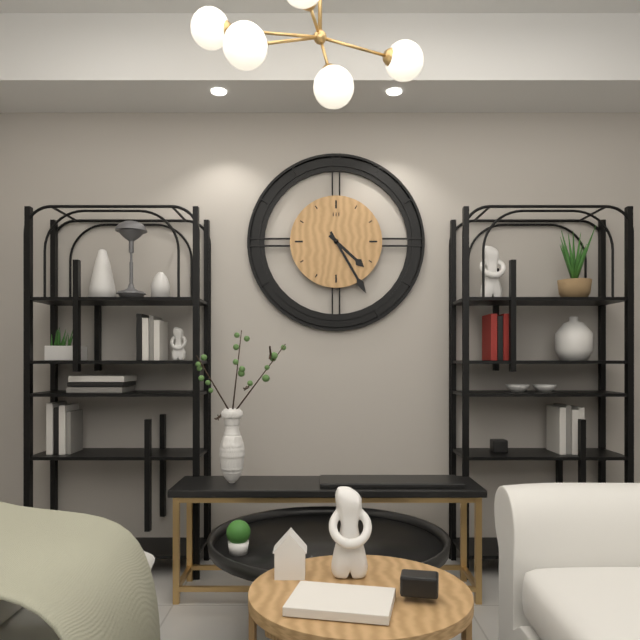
4:25
